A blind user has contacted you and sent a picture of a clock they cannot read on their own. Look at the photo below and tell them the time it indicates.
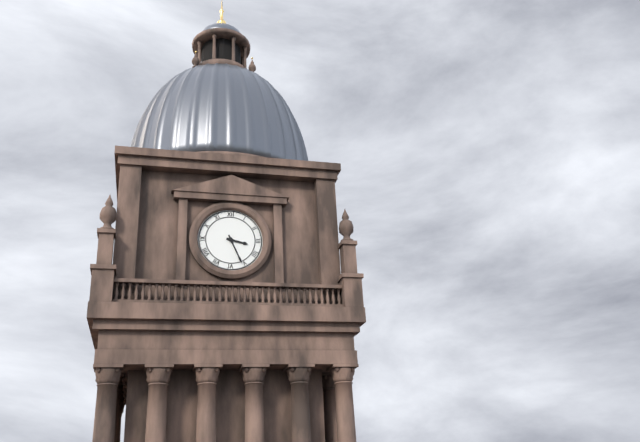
3:26
